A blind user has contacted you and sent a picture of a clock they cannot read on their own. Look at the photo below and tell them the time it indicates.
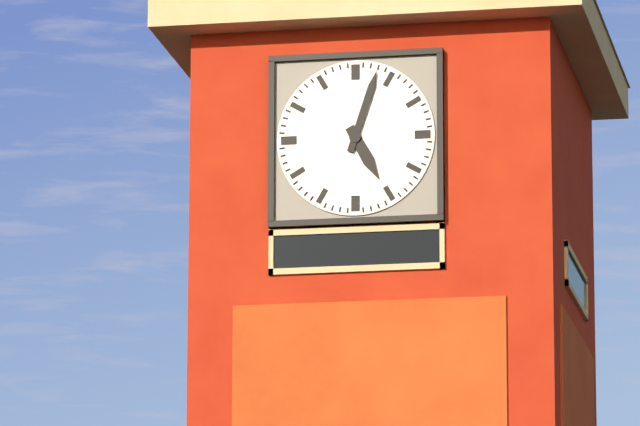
5:03
